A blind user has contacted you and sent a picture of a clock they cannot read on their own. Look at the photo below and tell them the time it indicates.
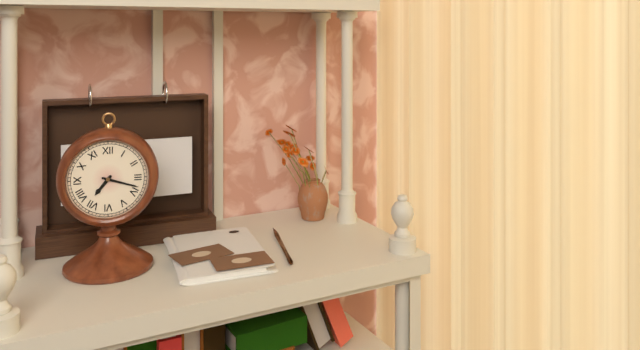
7:18
